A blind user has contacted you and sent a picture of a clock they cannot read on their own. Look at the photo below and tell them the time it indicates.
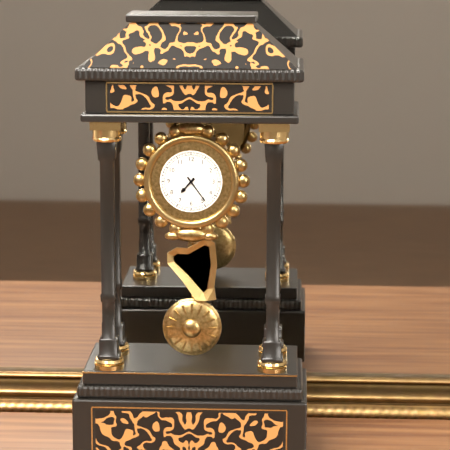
7:24
